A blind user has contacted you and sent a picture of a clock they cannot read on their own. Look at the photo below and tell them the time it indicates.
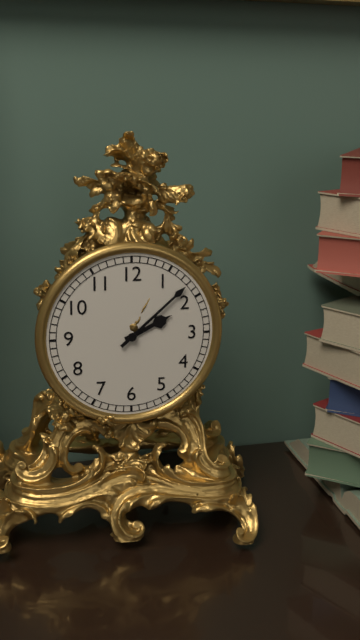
2:08
